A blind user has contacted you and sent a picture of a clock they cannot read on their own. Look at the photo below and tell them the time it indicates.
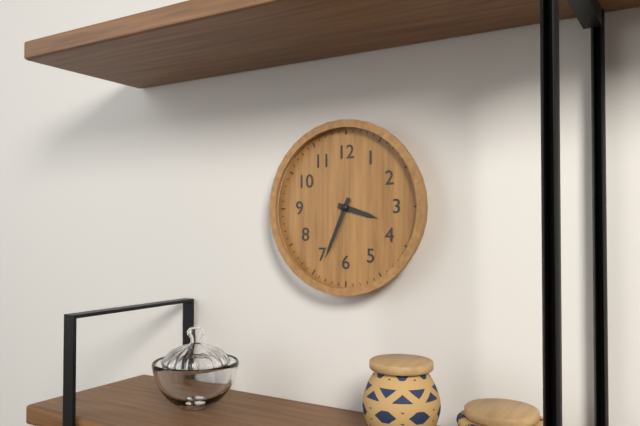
3:34
